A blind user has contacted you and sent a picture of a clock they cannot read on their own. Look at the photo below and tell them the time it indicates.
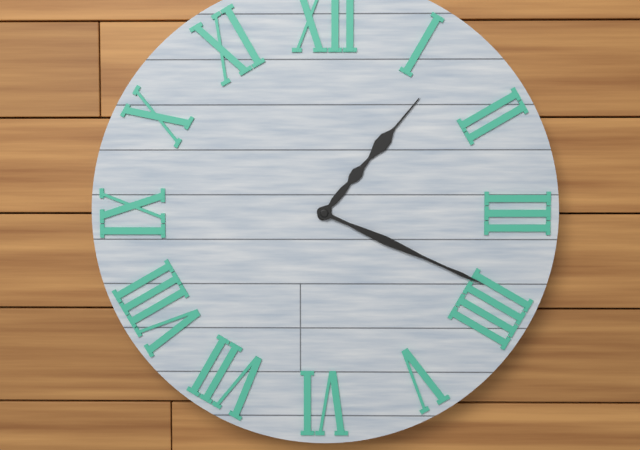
1:19
